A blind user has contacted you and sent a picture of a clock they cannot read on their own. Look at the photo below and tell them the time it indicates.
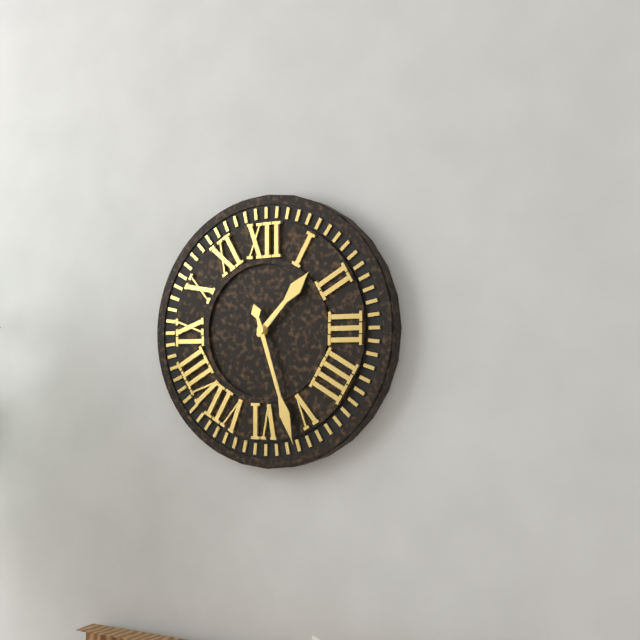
1:27
